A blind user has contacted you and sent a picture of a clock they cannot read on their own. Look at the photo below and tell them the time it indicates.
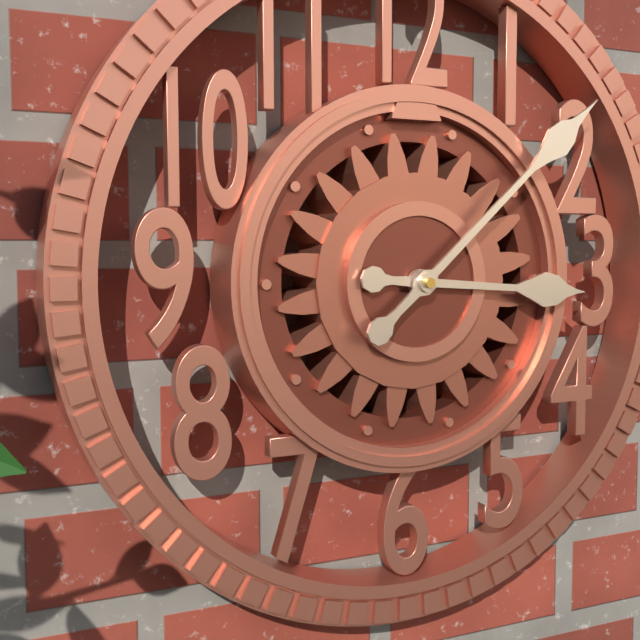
3:08
